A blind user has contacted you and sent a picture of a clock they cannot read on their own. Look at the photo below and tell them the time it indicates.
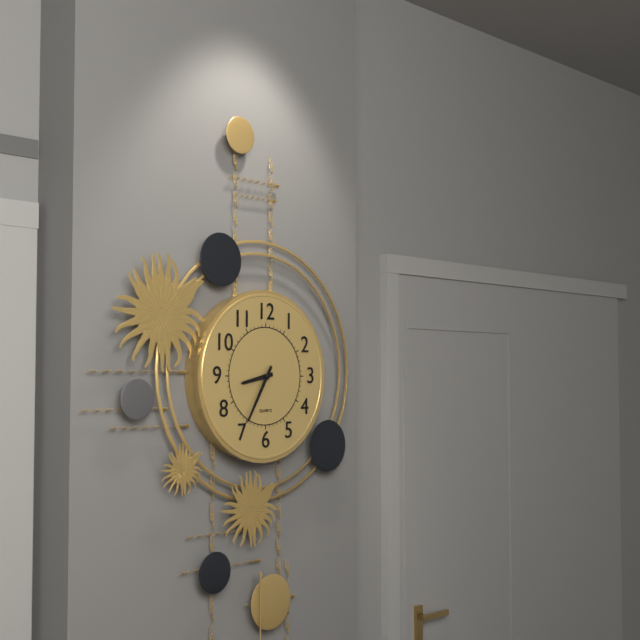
8:35
